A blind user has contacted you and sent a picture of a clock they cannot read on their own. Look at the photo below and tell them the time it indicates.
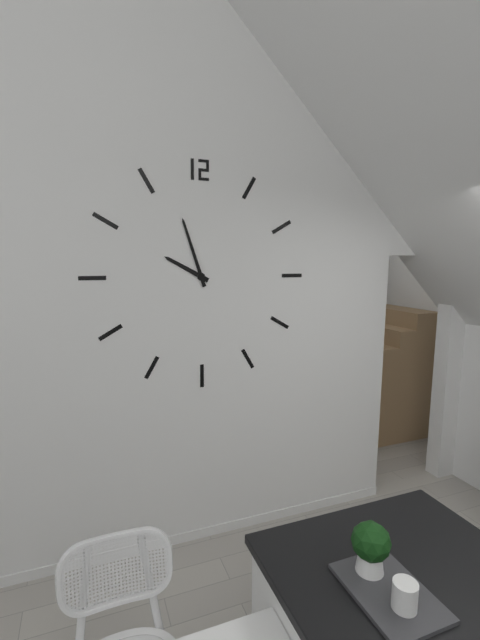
9:57
